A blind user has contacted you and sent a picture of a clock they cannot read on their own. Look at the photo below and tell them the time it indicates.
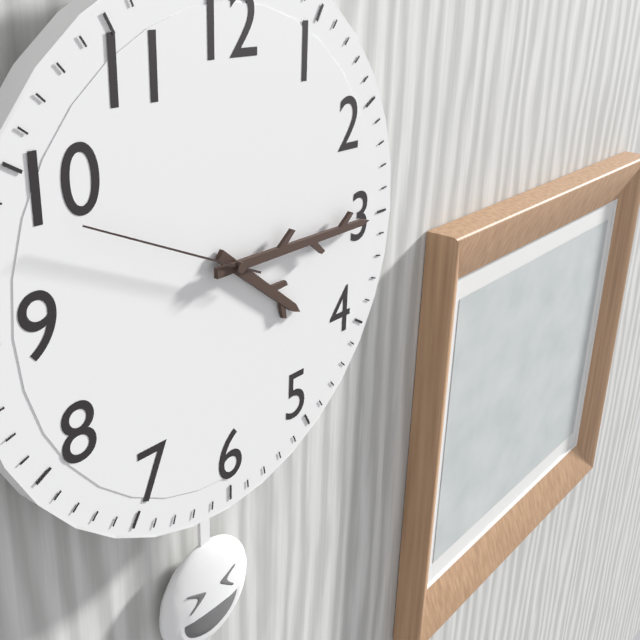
4:15:49
